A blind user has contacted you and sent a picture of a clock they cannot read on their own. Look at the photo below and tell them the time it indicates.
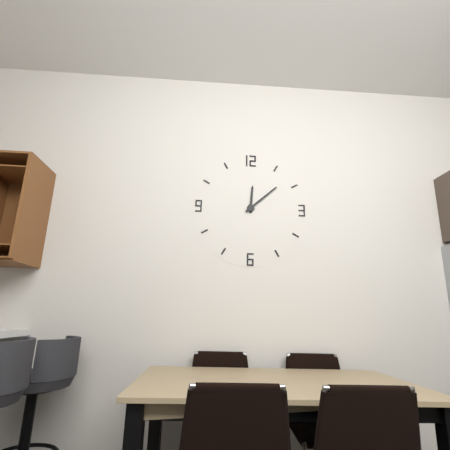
12:08
